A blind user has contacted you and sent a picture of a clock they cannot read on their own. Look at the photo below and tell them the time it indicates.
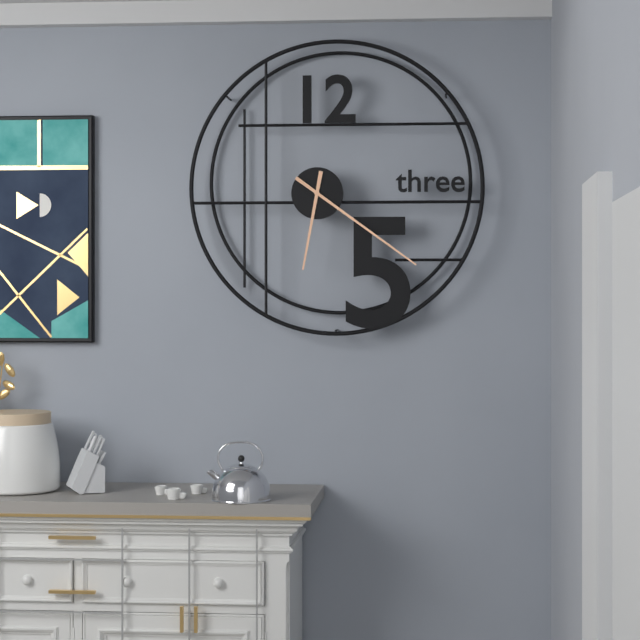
6:21
